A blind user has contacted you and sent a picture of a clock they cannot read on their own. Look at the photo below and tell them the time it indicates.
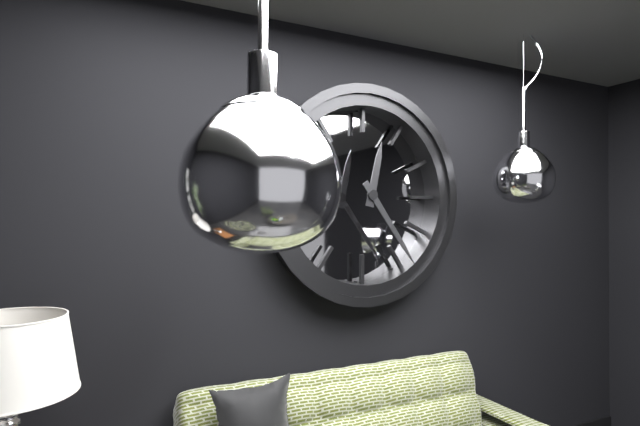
12:24
